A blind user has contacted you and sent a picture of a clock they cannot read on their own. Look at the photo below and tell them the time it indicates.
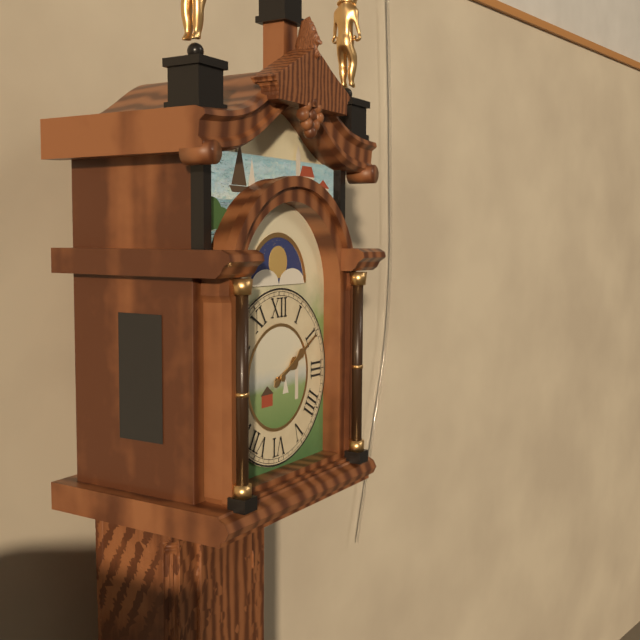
2:10
